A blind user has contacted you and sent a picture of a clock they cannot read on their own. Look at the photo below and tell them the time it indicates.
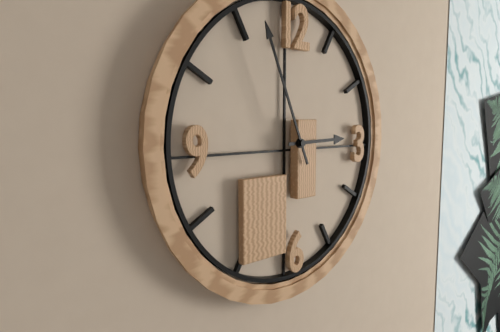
2:56
